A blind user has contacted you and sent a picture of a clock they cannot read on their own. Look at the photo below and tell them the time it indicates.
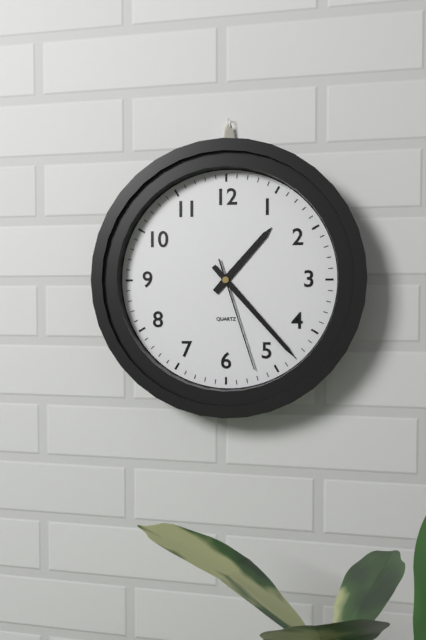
1:23:27
